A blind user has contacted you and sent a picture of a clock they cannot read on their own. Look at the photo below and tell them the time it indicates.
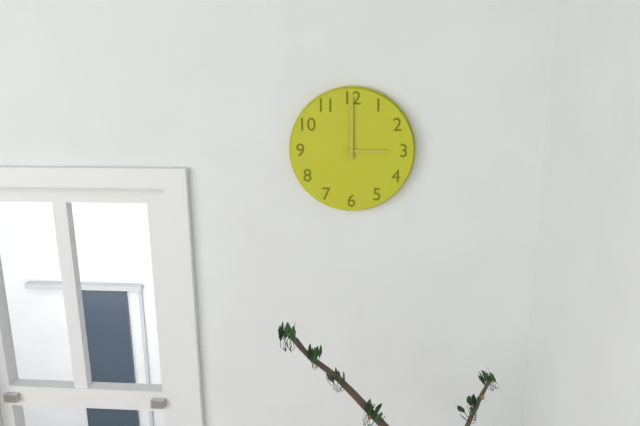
3:00
